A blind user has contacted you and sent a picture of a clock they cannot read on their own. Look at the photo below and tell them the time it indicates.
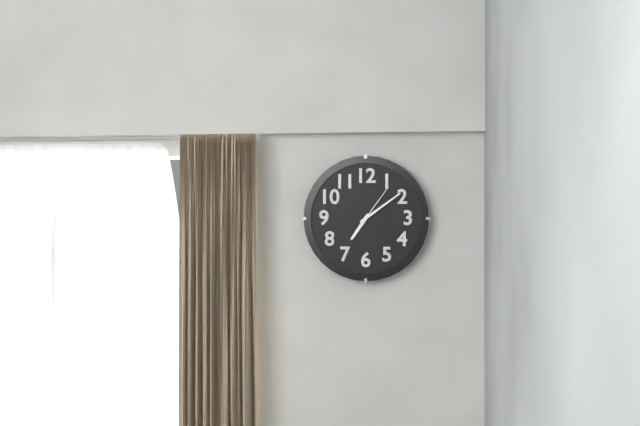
7:09
